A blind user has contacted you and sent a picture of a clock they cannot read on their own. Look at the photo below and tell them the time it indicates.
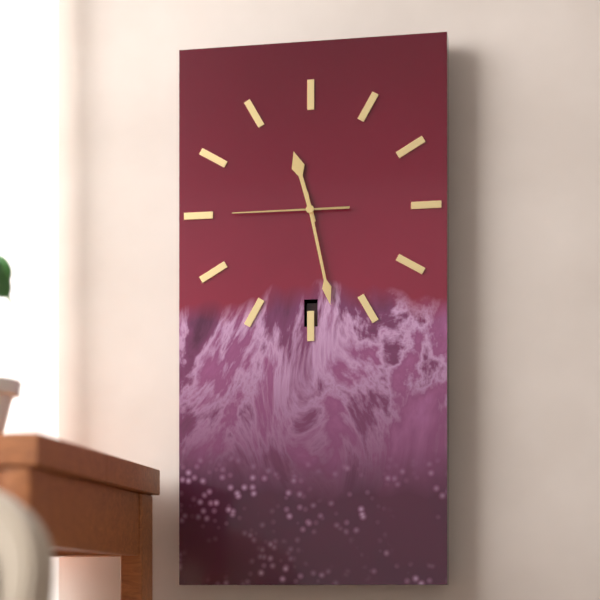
11:28:45
